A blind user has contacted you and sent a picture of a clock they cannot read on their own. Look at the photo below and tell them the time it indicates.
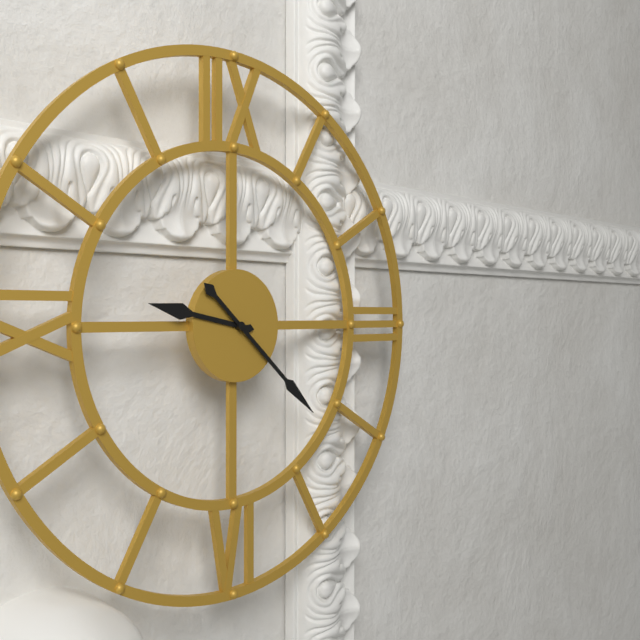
9:22
